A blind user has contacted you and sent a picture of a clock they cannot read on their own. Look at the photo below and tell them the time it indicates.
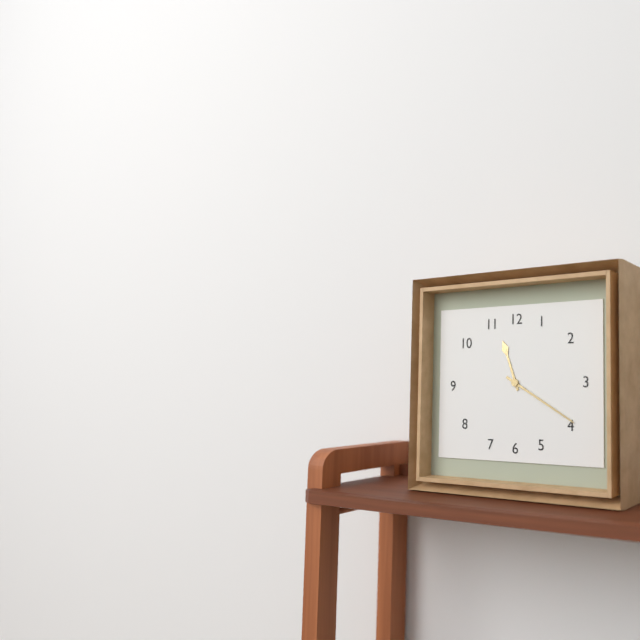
11:20
